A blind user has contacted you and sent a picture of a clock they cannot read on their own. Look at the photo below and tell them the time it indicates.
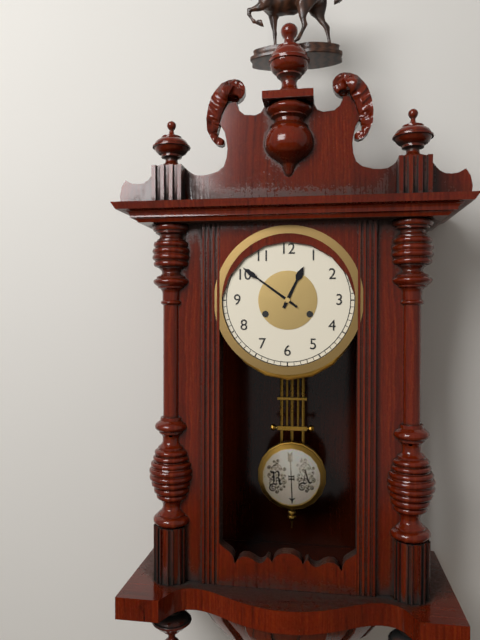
12:51
